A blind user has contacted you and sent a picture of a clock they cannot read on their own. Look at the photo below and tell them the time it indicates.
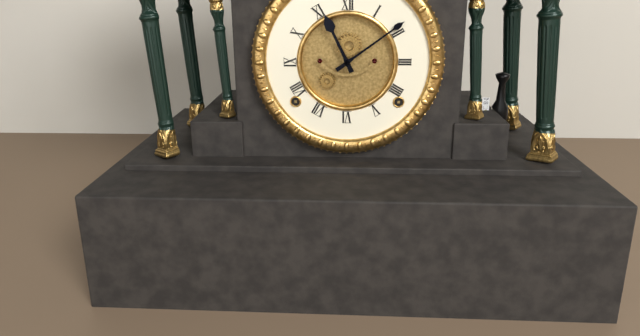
11:09
